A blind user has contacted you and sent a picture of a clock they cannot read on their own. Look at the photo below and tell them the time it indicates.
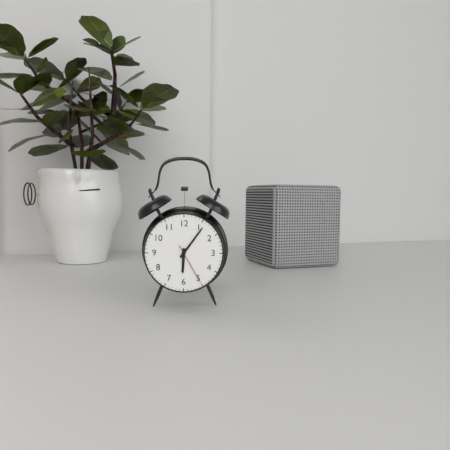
6:06
